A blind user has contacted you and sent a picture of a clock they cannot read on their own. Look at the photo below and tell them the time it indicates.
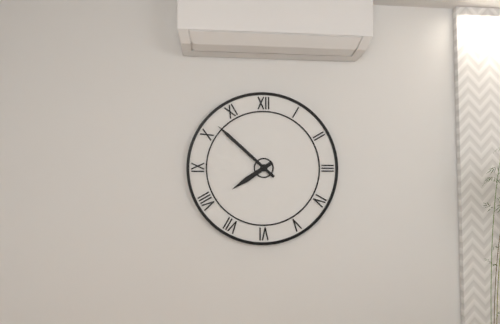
7:52
